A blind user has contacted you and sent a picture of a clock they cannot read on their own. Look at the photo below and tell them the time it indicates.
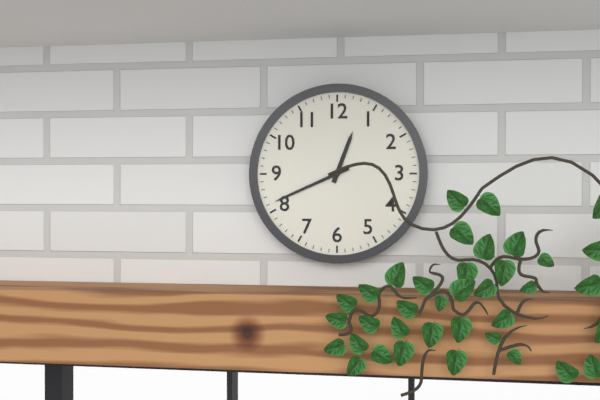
12:41
